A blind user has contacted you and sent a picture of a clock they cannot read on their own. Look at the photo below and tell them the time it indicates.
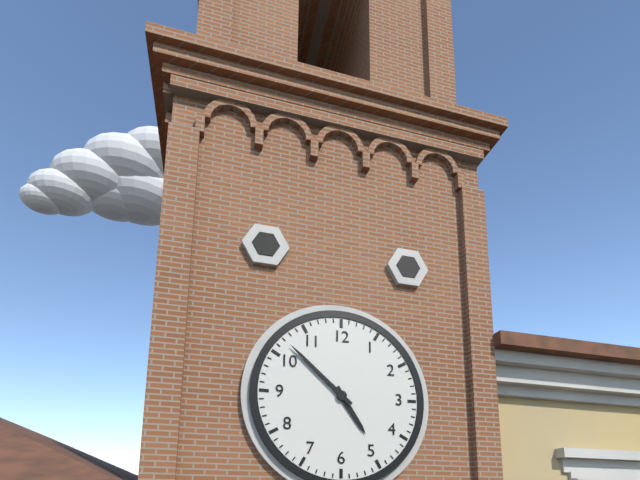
4:52
